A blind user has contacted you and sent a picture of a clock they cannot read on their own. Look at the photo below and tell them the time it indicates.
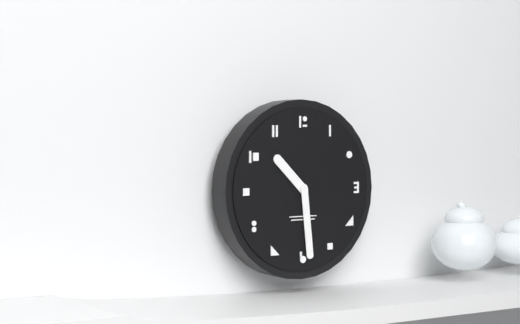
10:29
